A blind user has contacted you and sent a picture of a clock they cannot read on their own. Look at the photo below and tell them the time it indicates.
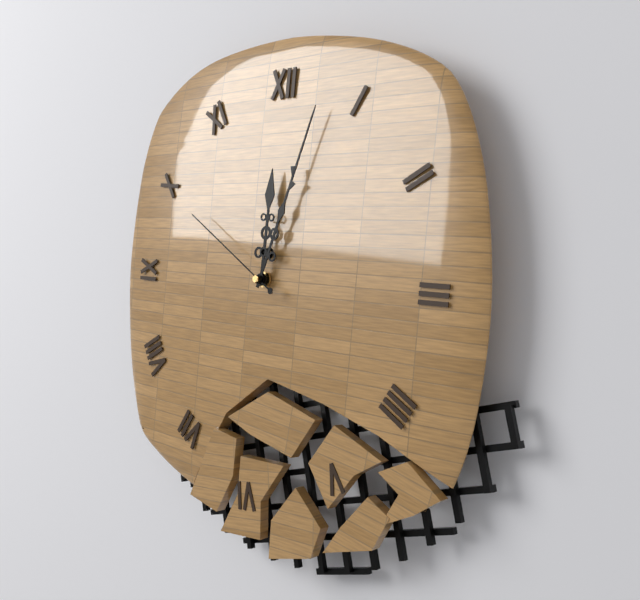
12:03:50
